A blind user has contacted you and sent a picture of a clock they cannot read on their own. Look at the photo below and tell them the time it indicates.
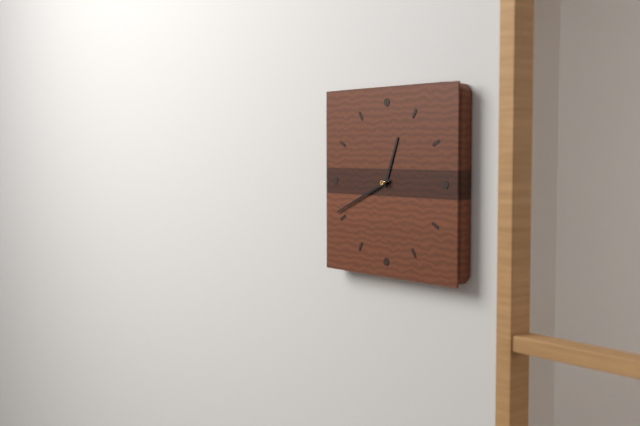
12:41
